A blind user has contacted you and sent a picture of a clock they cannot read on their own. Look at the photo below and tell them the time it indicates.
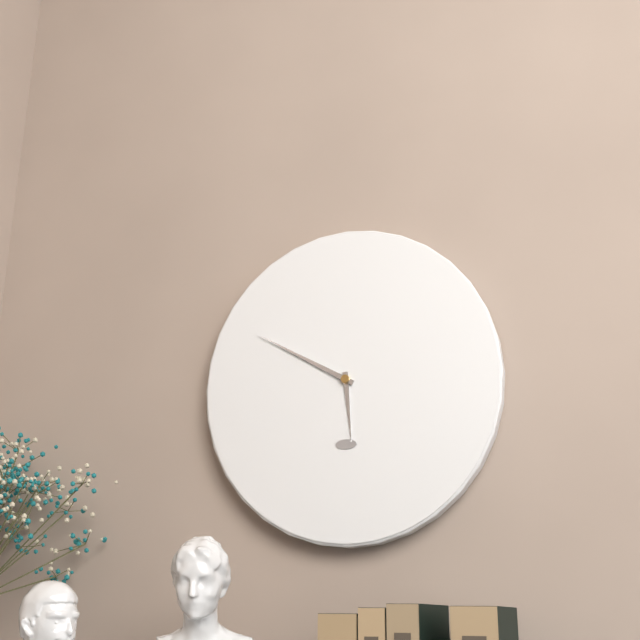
5:50
